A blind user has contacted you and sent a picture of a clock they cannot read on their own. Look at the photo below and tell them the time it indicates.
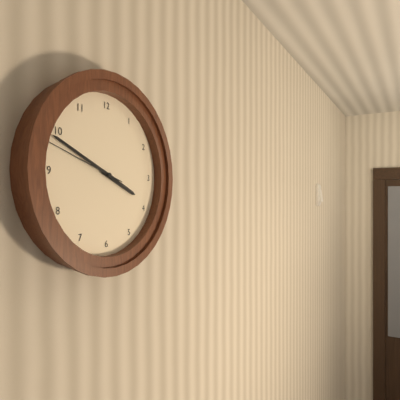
3:49:48
